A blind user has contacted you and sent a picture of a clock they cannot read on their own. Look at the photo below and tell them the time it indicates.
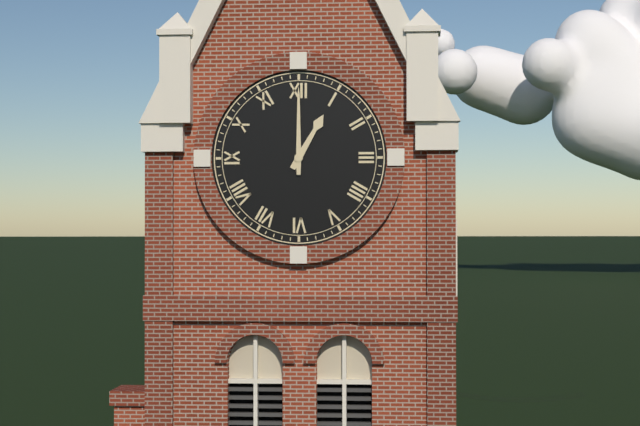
1:00
